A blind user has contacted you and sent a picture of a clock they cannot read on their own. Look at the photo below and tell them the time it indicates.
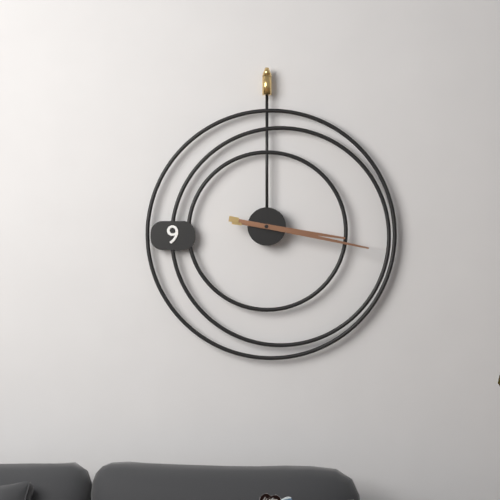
3:17
